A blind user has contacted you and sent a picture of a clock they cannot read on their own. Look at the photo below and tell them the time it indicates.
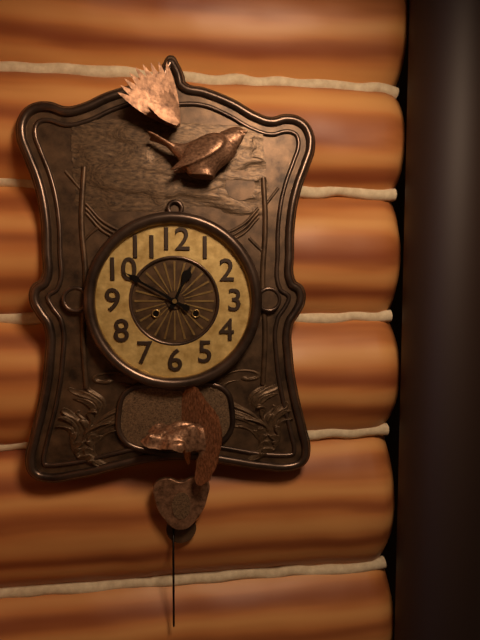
12:50
